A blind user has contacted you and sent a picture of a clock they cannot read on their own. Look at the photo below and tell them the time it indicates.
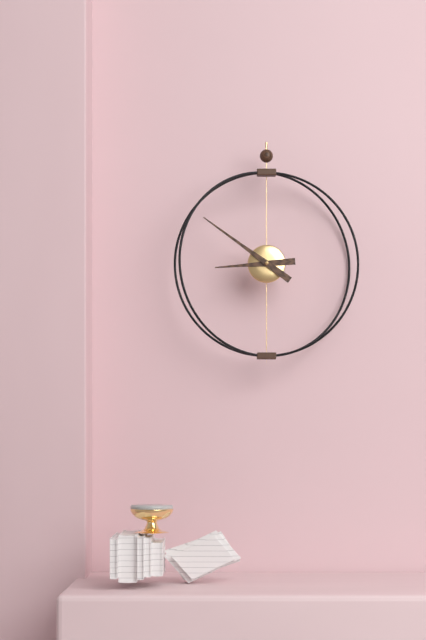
8:51
